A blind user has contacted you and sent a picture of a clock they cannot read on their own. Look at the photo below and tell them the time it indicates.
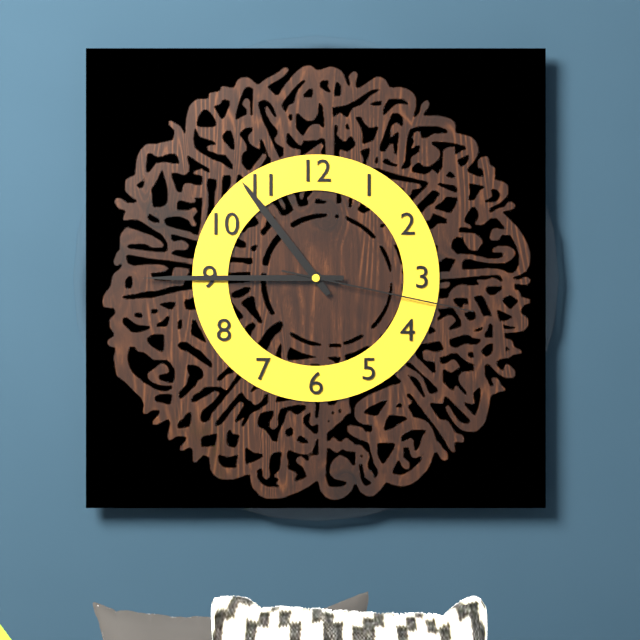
10:45:17
